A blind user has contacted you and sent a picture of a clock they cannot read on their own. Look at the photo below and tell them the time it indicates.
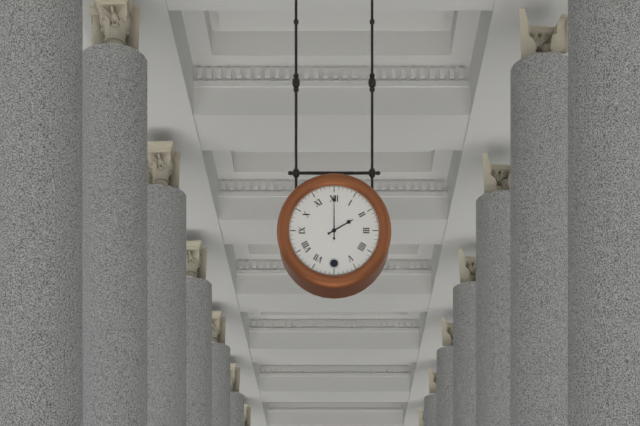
2:00
